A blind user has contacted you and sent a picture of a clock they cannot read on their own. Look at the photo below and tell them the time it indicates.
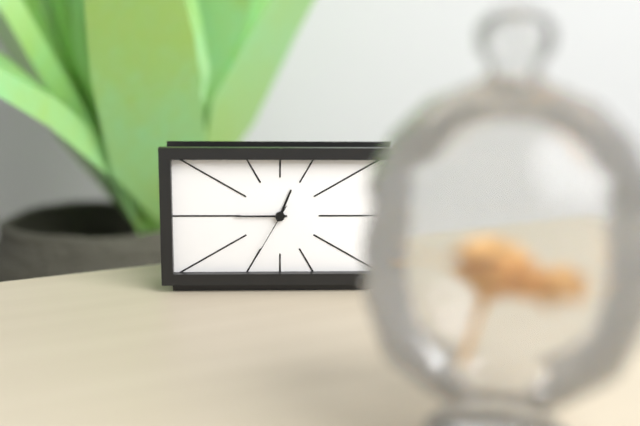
12:45:35
